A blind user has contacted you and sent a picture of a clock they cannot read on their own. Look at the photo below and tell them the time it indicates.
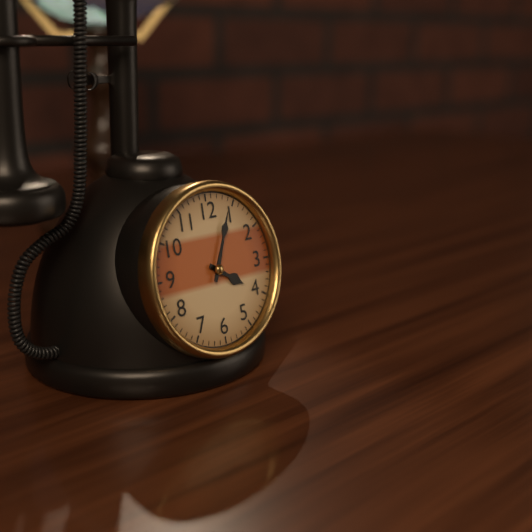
4:04
